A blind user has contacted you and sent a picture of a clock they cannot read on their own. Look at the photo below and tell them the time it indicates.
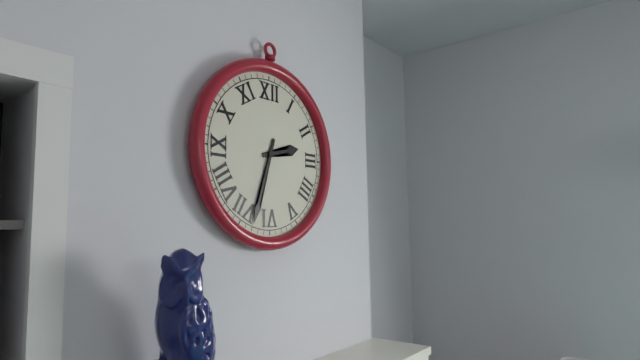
2:33
